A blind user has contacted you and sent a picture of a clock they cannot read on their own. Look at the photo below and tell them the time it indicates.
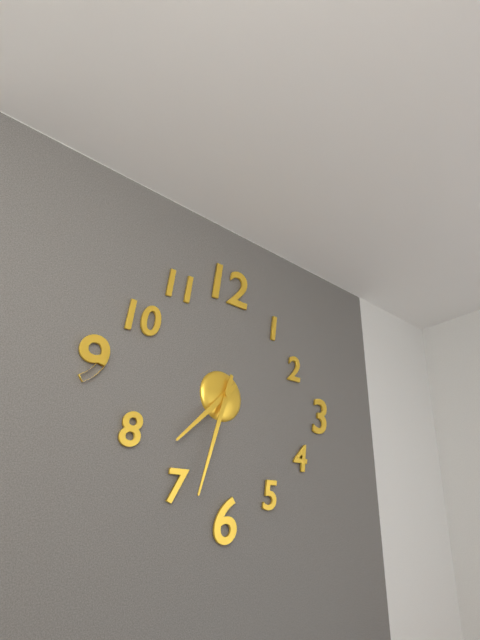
7:33
